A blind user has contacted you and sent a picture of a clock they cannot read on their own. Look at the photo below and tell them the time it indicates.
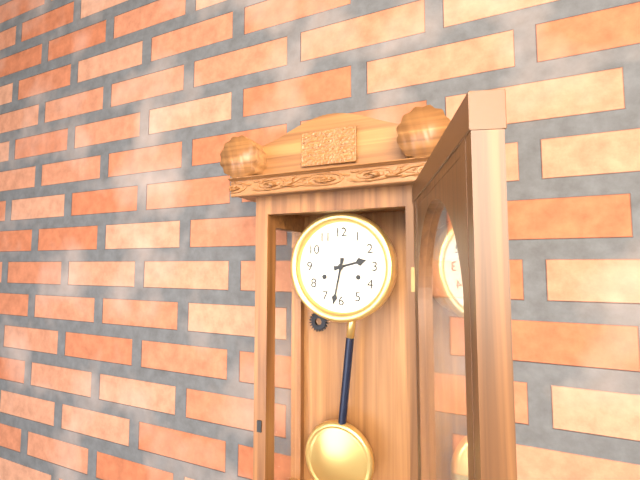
2:32
